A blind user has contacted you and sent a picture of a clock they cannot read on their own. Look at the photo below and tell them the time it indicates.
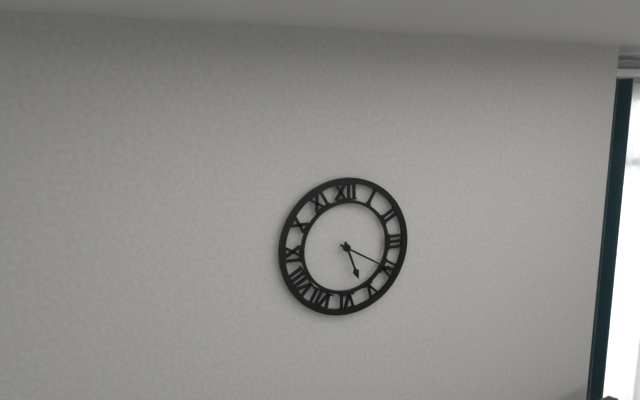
5:20
